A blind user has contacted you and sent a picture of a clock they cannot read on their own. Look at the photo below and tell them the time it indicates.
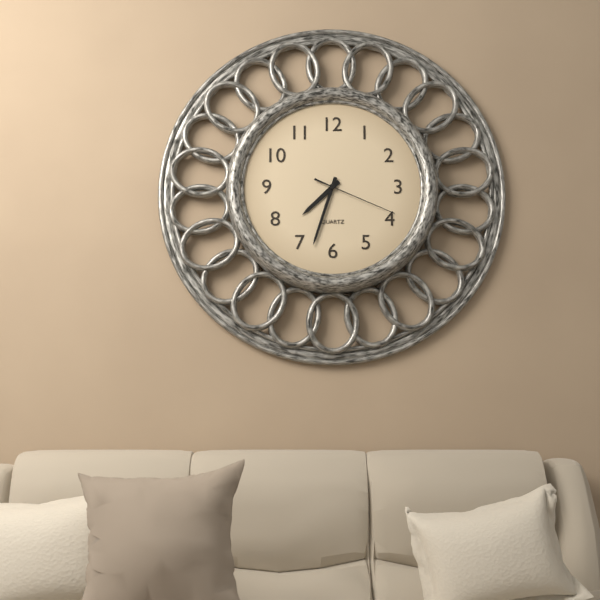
7:33:19
